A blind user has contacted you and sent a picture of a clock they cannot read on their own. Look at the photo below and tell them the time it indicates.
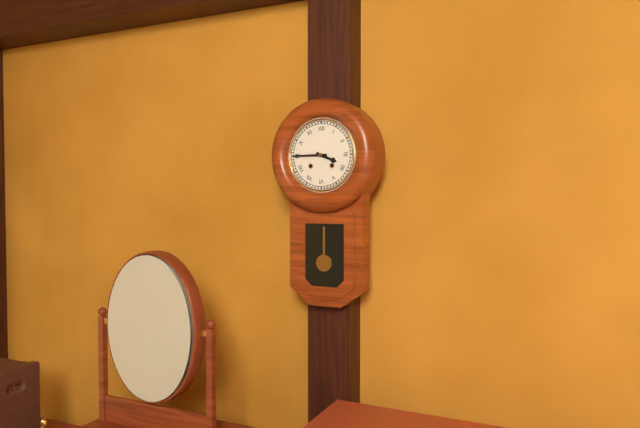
3:45
